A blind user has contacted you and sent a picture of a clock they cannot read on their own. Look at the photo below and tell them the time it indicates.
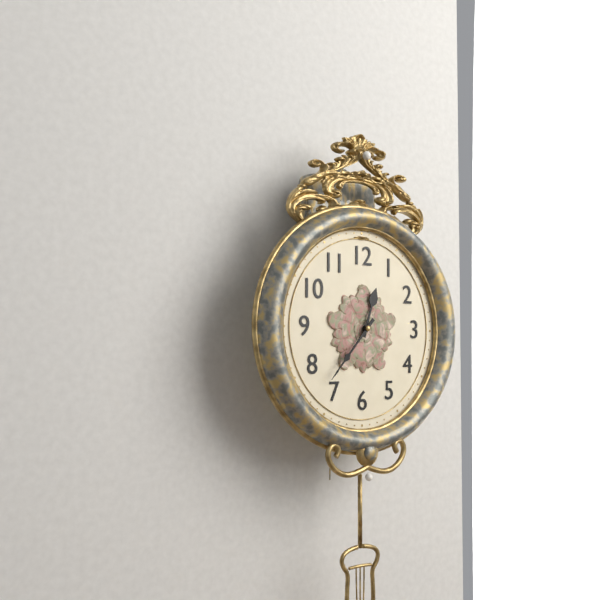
12:37
